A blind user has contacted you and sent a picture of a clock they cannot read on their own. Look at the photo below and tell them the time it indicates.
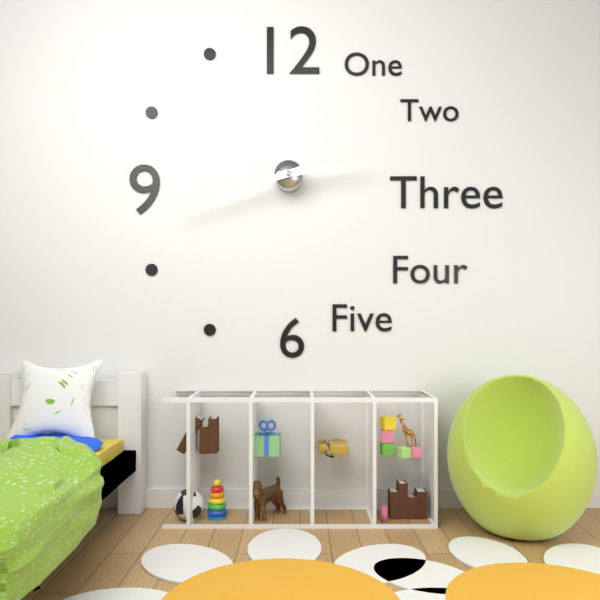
2:42
